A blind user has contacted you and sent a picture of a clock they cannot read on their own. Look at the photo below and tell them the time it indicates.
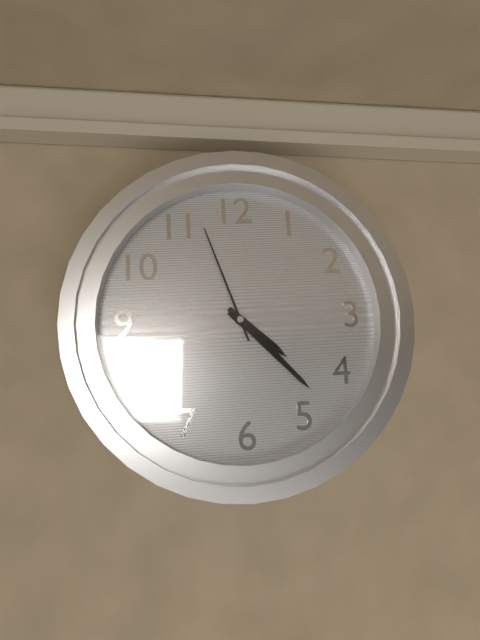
4:23:57
